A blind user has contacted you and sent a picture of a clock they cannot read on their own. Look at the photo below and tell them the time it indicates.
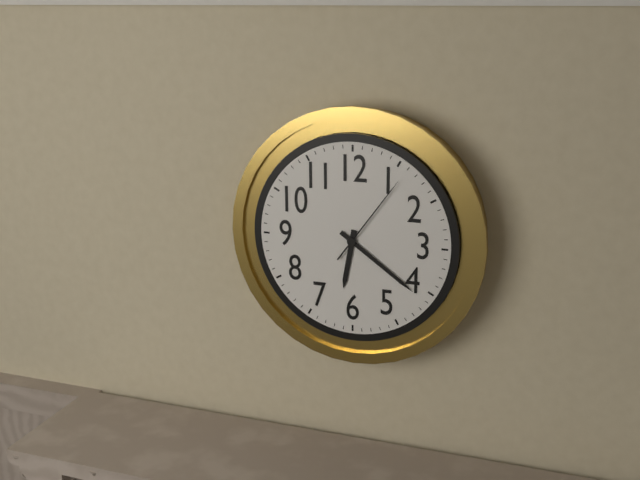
6:21:06
